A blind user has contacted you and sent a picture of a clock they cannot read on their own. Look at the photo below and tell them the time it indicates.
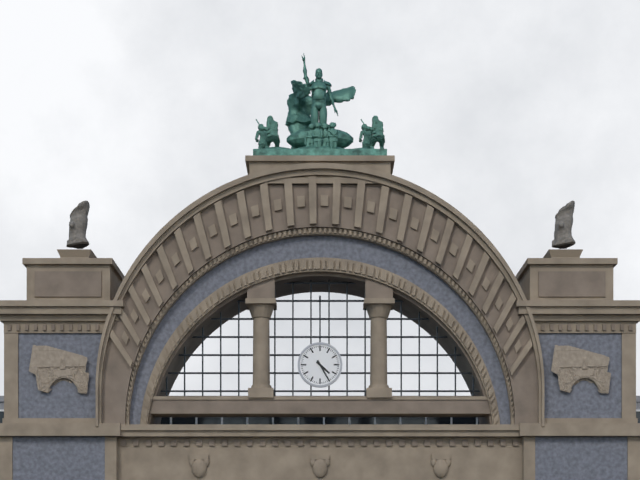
4:25
